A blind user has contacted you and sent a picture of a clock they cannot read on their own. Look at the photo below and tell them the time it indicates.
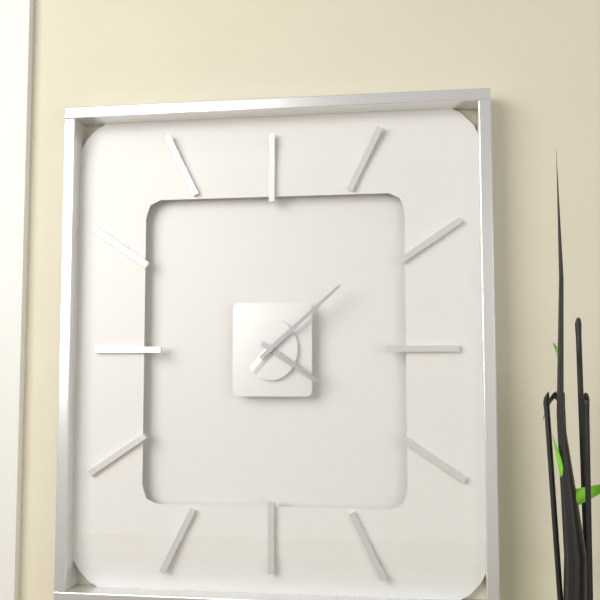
4:08
